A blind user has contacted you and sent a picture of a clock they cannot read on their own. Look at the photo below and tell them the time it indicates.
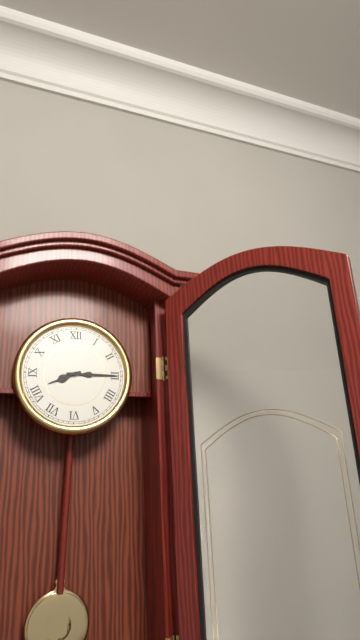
8:15
